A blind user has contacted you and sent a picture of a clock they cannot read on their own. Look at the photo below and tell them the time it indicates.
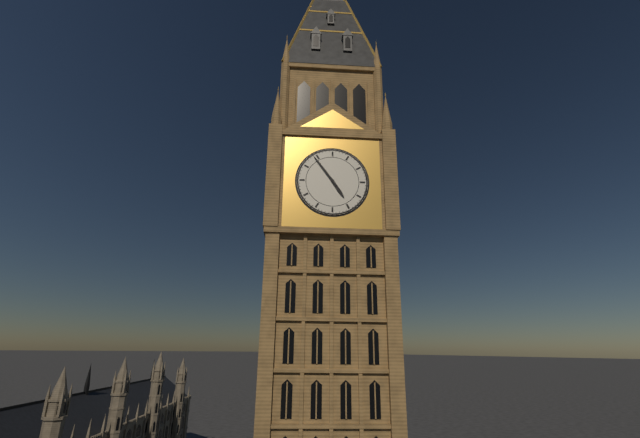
4:54
